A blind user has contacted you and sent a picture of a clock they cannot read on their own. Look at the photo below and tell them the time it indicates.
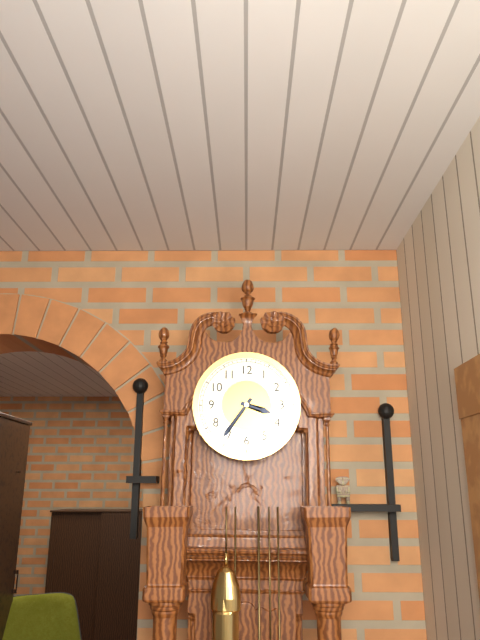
3:36
